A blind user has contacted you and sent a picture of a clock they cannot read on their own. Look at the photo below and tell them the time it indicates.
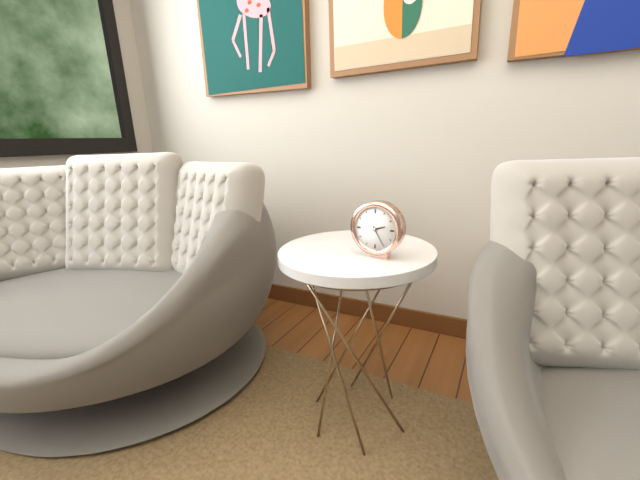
2:25
